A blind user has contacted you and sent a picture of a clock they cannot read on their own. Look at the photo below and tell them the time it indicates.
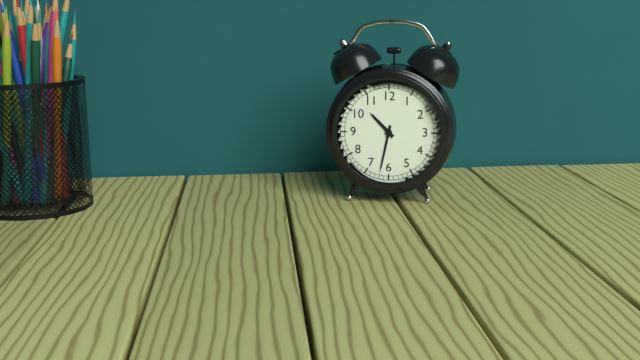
10:32
